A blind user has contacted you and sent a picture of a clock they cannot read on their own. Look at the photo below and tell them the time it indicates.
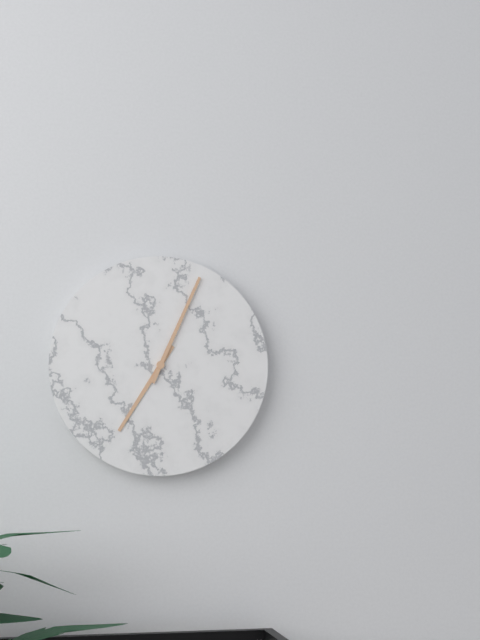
7:04
